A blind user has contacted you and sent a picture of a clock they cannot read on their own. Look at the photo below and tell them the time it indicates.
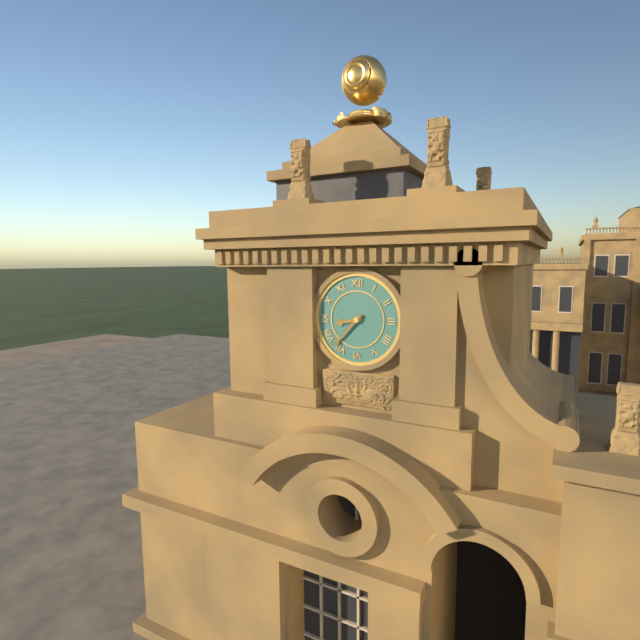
8:37
